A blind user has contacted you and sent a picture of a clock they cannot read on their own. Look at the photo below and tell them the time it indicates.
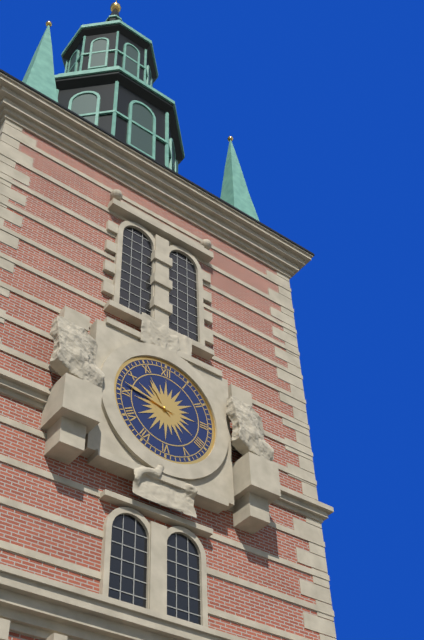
10:47
